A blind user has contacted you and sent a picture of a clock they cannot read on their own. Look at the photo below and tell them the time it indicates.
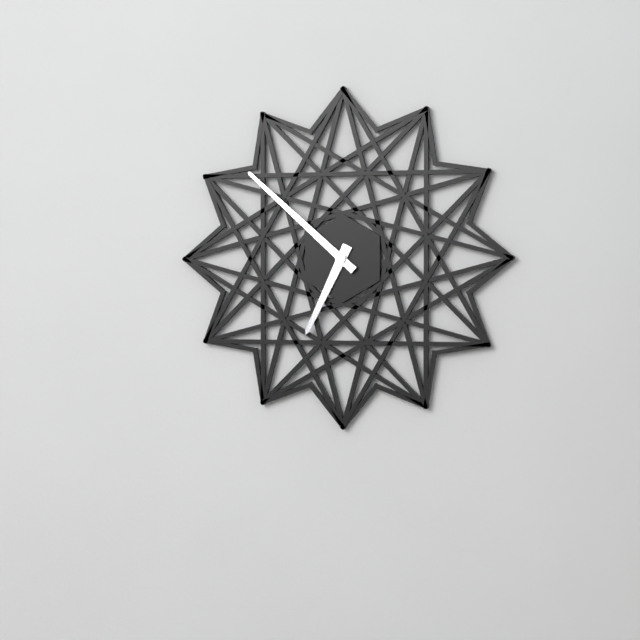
6:52
